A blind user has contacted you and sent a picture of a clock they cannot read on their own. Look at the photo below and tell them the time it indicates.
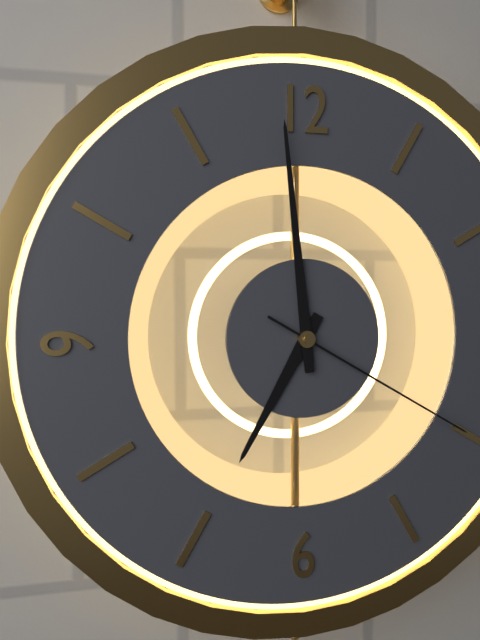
6:59:20
